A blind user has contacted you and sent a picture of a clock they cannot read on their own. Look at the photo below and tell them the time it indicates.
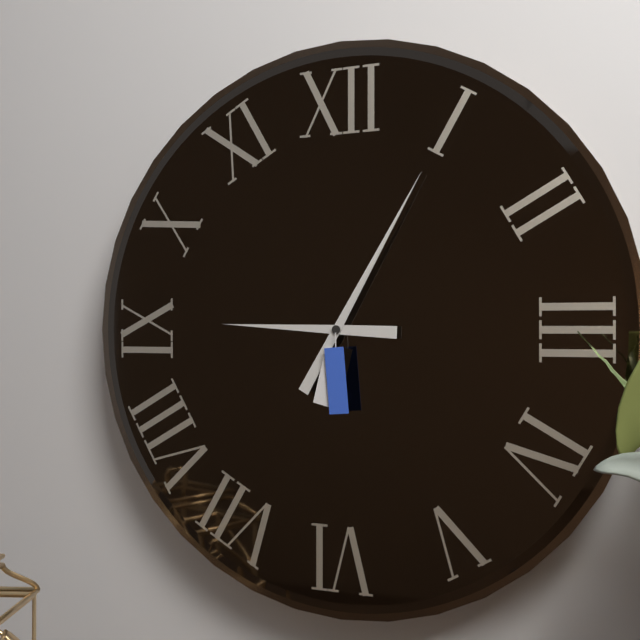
9:05
